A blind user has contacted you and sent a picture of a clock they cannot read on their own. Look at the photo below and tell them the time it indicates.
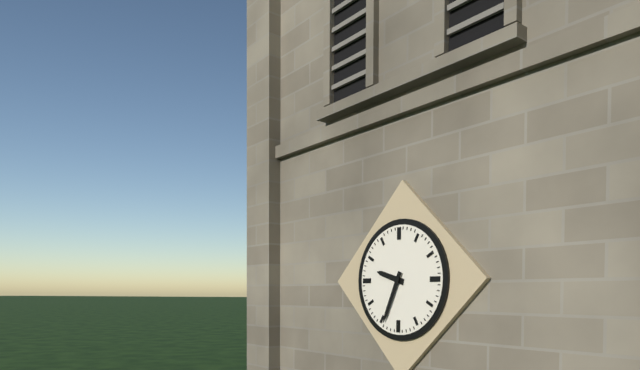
9:34
